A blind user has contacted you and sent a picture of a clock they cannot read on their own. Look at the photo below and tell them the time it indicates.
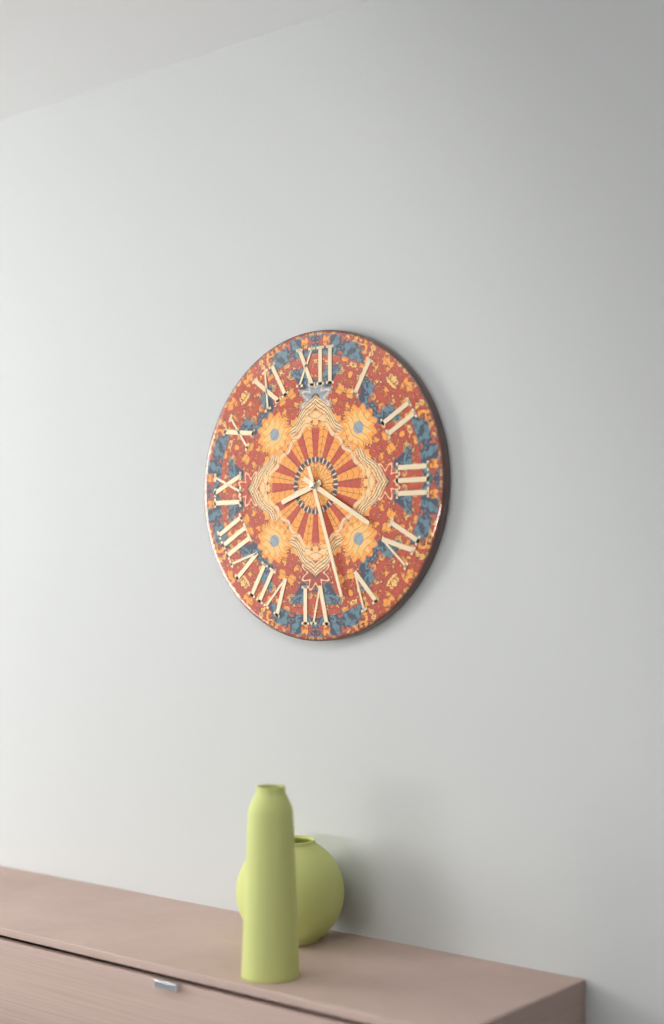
8:20:27
